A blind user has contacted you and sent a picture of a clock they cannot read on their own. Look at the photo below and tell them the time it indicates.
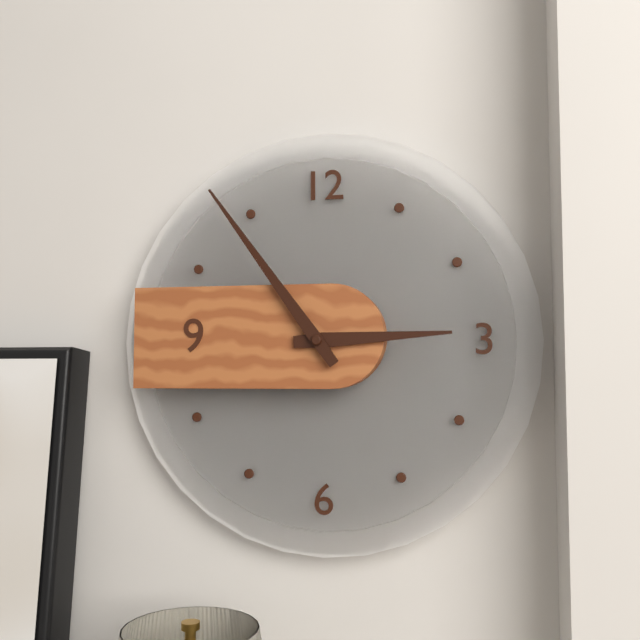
2:54
